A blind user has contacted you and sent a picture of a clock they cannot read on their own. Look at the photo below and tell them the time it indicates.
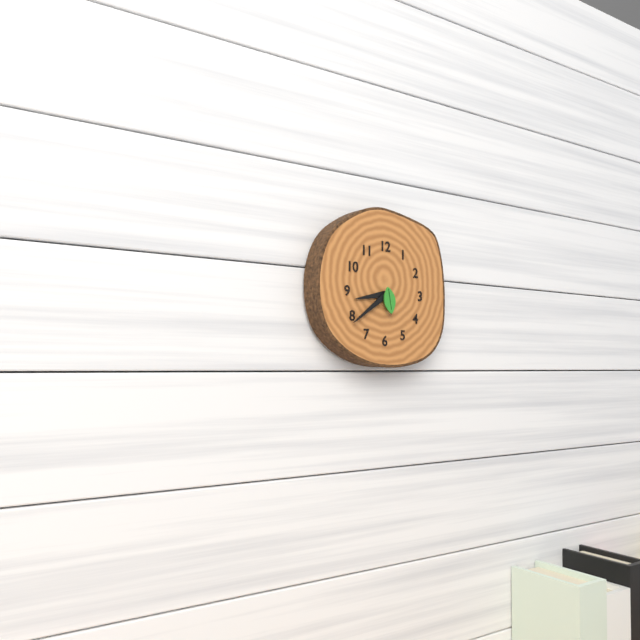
8:39
